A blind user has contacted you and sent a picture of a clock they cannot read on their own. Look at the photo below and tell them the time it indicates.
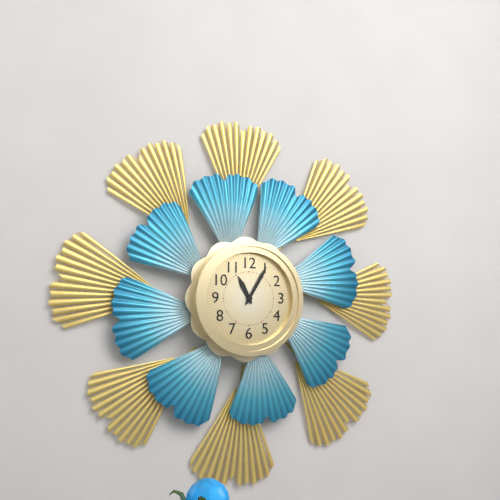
11:05
